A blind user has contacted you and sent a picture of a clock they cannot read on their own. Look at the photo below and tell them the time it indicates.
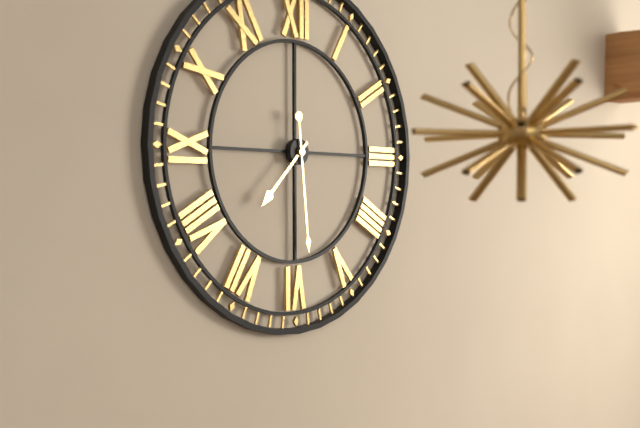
7:29
